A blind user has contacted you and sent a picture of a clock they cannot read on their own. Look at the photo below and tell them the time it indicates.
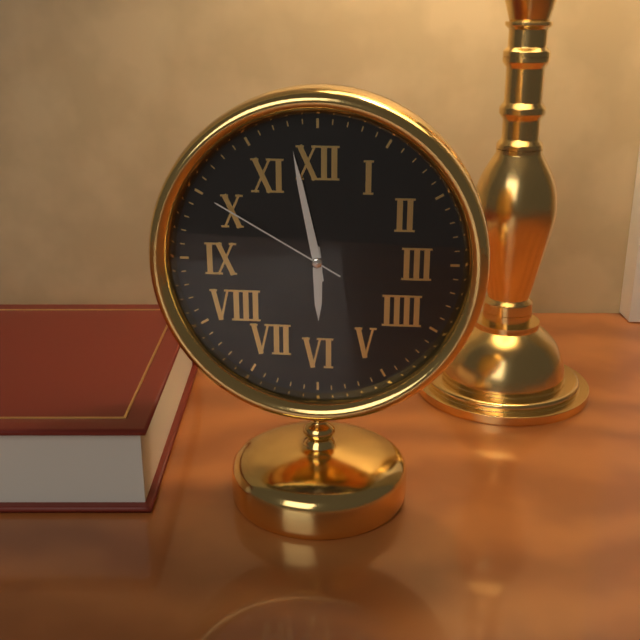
5:58:50
